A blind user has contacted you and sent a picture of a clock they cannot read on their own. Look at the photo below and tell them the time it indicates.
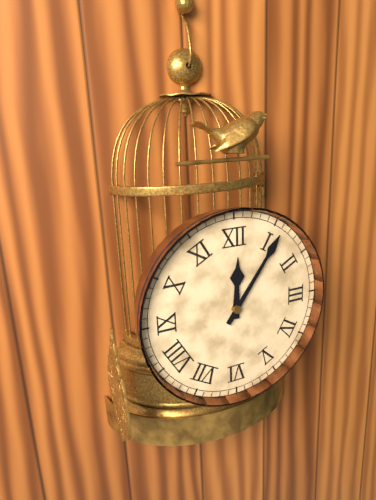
12:06
